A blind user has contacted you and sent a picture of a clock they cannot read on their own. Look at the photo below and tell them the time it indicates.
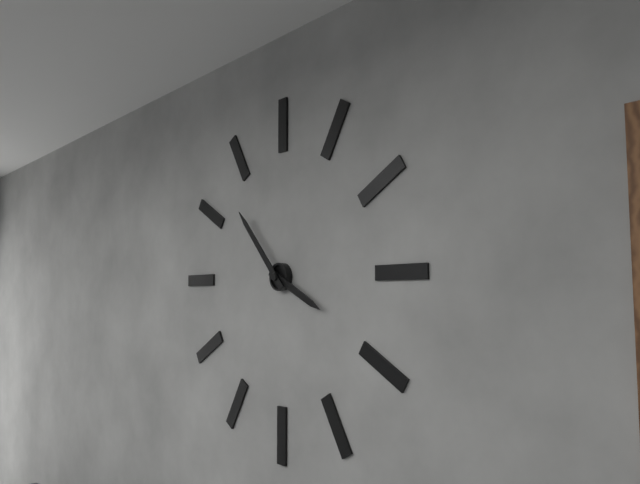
3:53
